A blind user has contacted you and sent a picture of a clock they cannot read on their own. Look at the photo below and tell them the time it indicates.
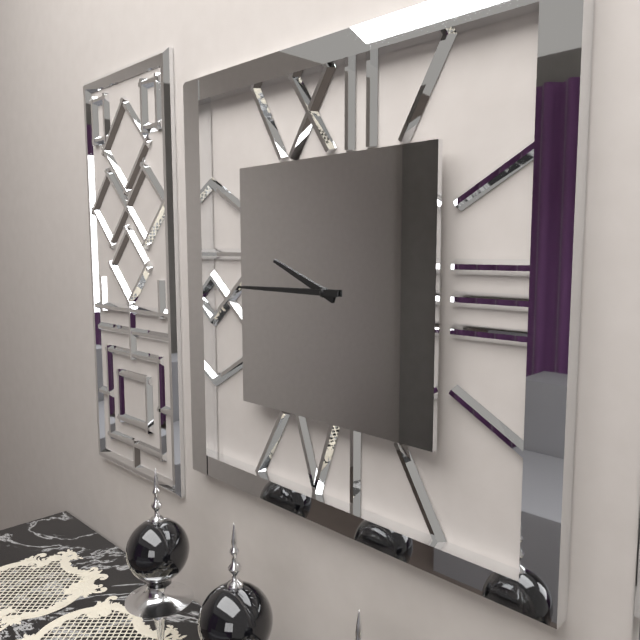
9:45
